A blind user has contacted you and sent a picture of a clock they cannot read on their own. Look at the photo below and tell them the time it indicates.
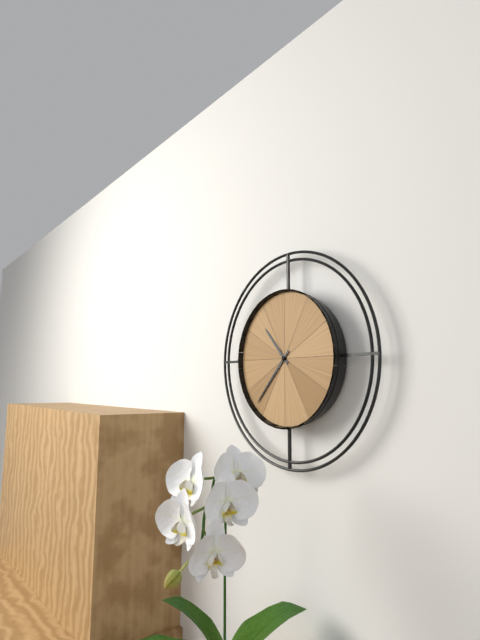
10:37
